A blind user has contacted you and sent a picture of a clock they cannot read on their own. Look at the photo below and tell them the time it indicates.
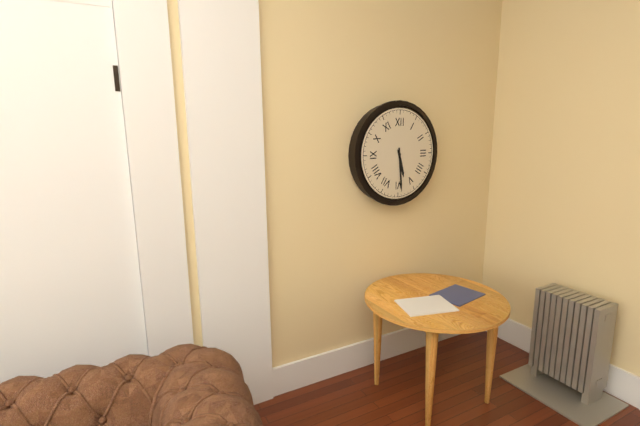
5:29
